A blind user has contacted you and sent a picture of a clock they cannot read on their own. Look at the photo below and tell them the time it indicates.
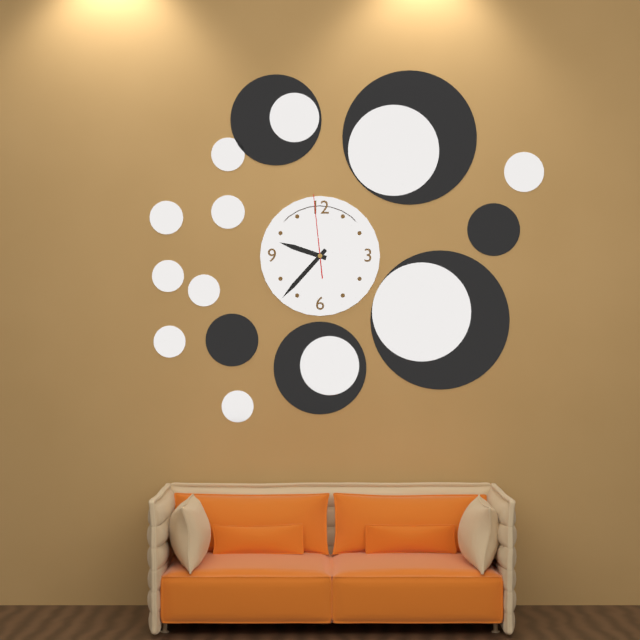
9:37:59
